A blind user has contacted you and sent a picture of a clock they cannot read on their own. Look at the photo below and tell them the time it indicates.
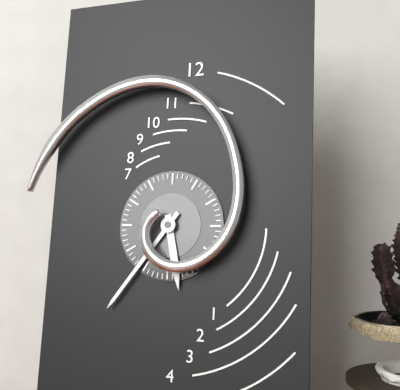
5:36
